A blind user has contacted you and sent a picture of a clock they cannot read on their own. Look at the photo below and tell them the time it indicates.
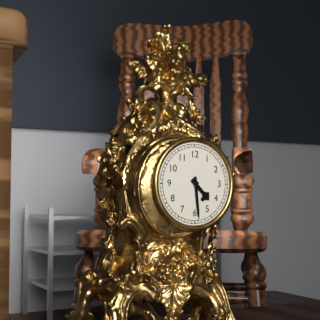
4:29
